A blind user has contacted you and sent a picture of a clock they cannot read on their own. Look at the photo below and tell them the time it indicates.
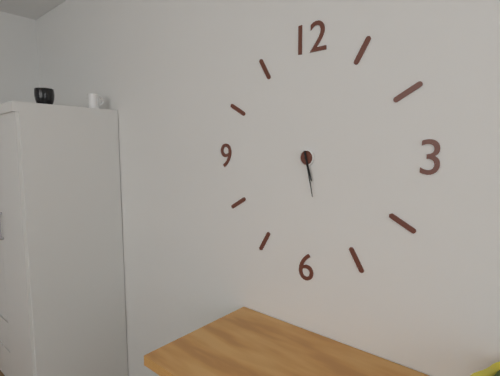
5:28
